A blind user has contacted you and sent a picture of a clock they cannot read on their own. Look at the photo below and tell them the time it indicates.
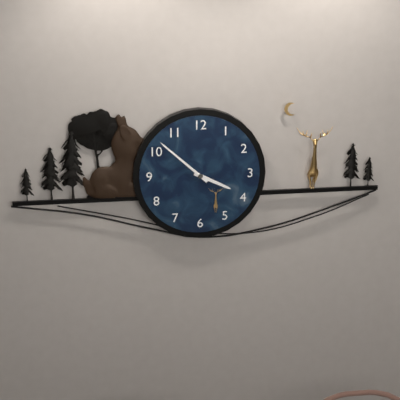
3:52
